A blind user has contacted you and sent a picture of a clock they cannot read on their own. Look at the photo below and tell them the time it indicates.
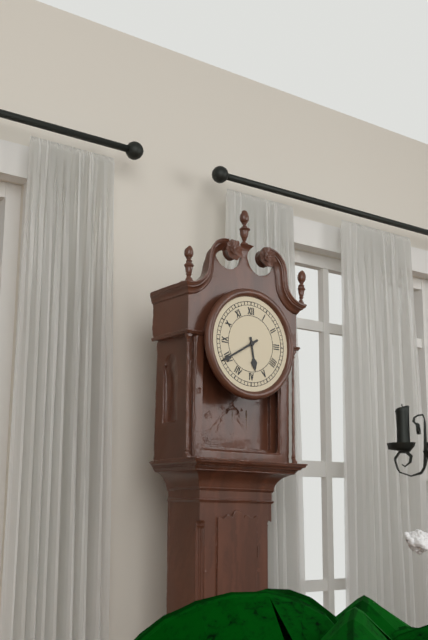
5:40
